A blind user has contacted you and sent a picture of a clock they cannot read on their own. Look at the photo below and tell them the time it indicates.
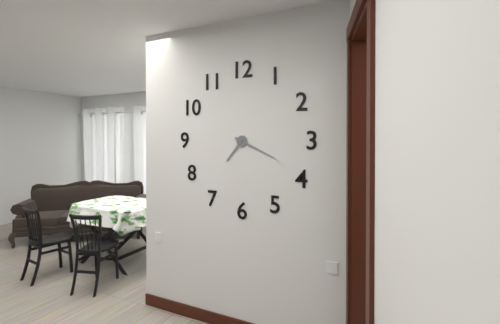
7:19
